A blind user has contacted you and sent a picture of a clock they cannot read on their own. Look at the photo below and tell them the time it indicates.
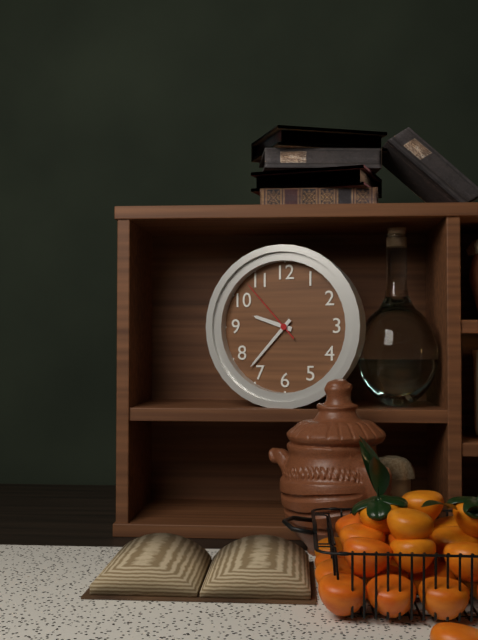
9:37:53
